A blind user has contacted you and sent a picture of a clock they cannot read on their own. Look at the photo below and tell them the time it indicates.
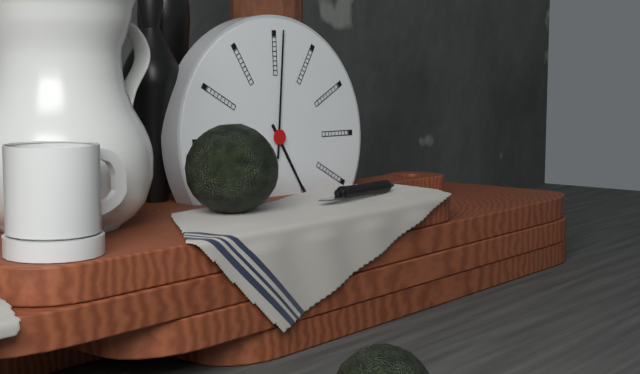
5:01
